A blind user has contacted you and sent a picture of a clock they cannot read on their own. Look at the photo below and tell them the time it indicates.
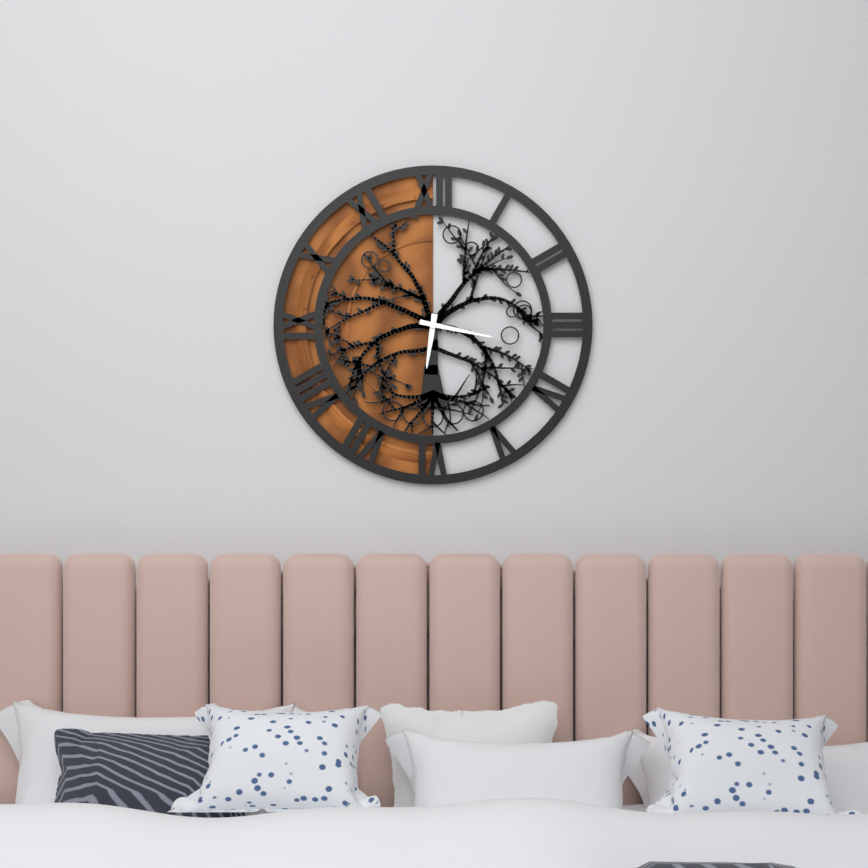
6:17
